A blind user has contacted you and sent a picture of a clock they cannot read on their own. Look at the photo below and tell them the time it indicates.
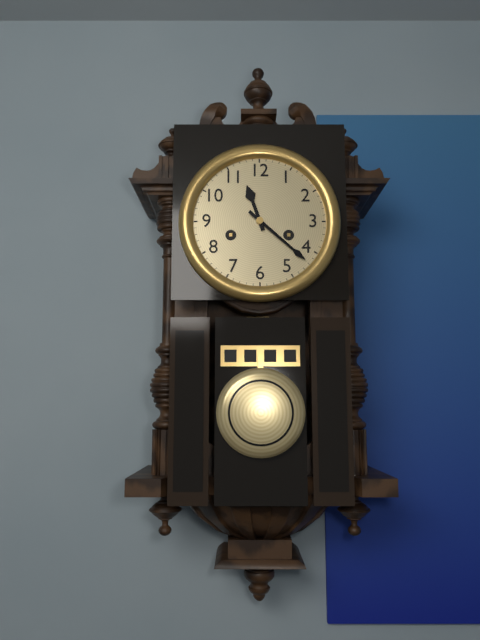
11:22
